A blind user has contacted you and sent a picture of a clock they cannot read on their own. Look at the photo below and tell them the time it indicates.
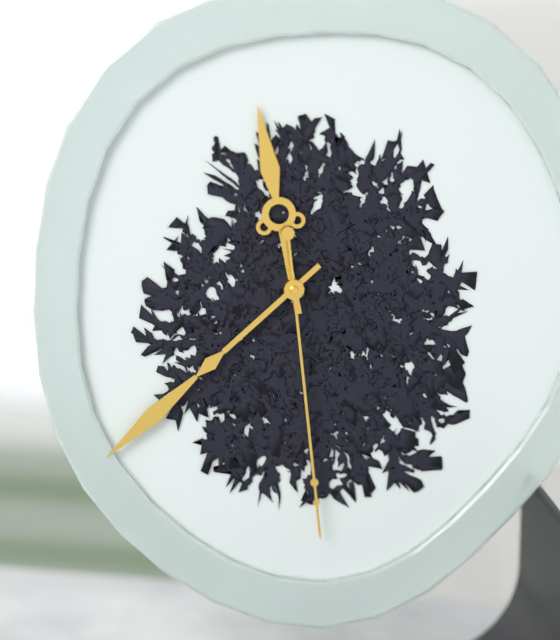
11:38:29
